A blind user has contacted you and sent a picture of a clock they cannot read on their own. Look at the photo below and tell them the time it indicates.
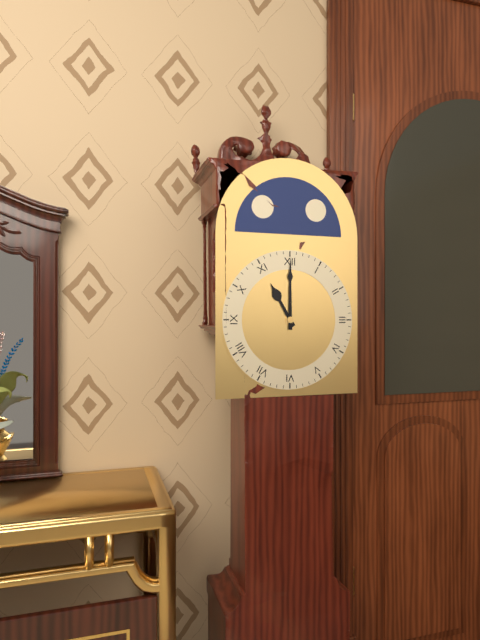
11:00
